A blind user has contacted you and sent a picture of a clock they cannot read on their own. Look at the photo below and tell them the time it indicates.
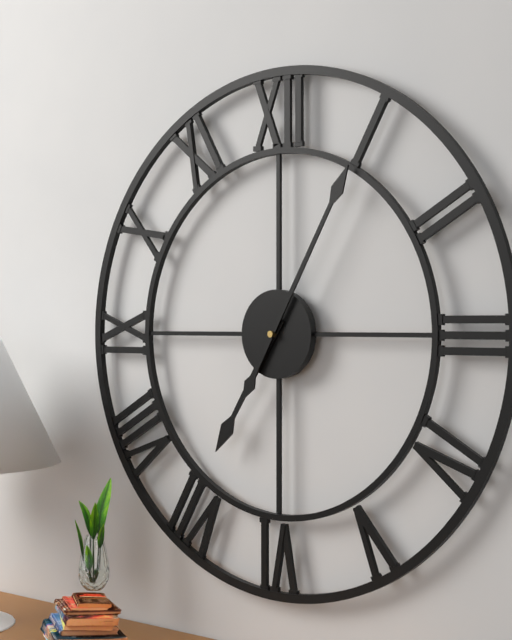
7:05
